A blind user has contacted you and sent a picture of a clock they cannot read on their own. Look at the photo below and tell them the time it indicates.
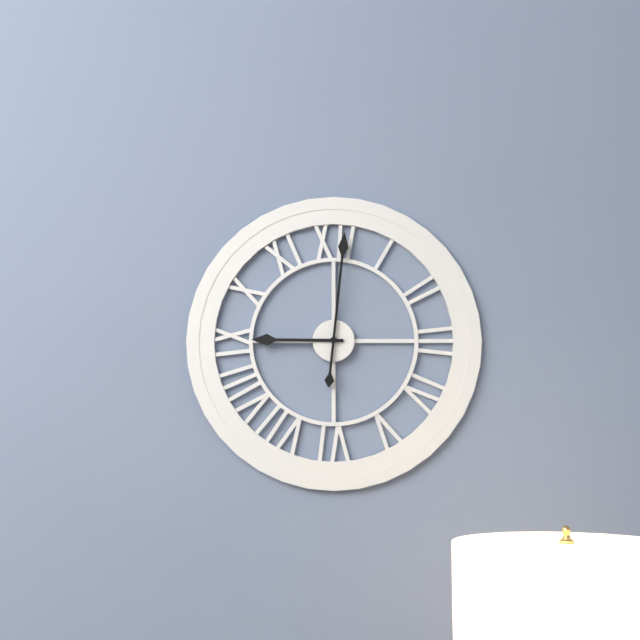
9:01
